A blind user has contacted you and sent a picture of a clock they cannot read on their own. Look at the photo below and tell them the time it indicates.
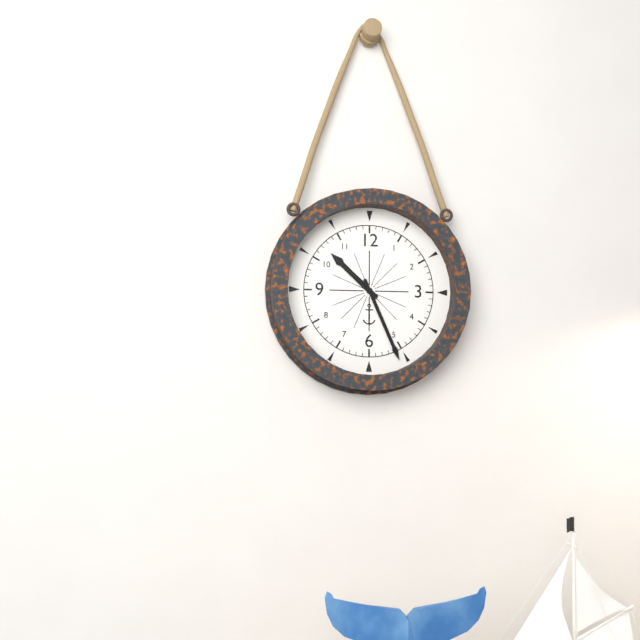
10:26
